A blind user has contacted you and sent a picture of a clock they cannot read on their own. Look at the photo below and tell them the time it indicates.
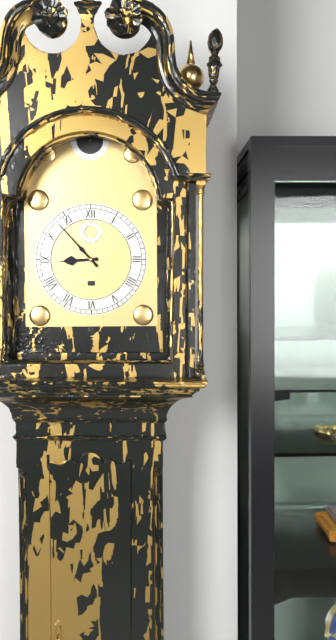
8:53
